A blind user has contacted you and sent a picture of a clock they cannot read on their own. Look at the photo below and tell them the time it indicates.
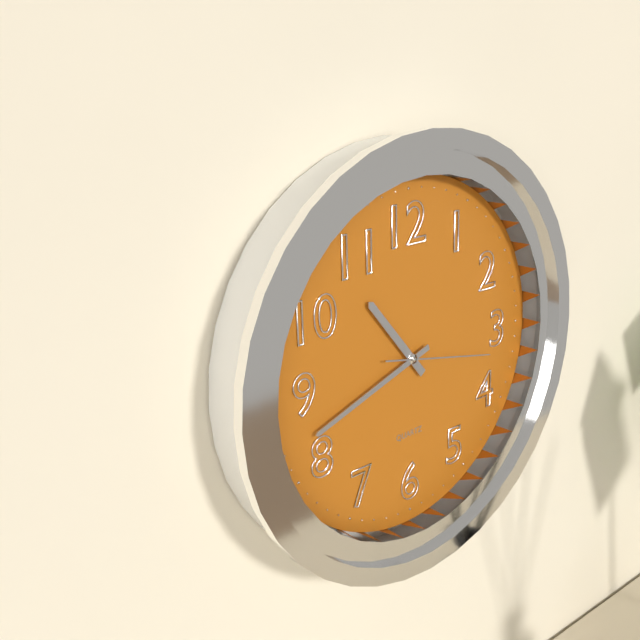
10:42:17
